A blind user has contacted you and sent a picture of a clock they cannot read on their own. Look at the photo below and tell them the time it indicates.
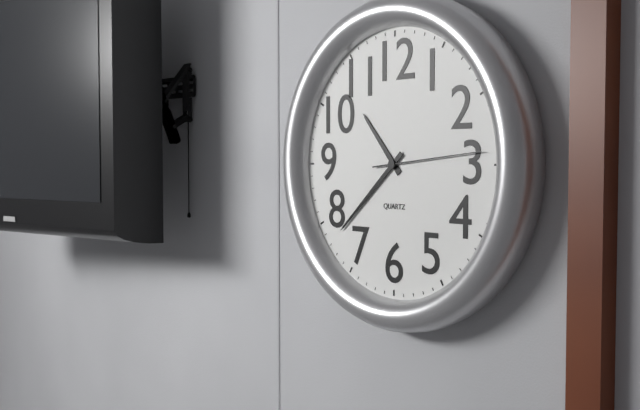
10:38:14
